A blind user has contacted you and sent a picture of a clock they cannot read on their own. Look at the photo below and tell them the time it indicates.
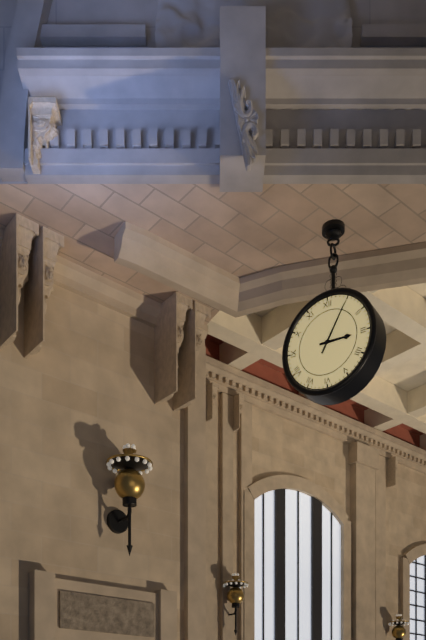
3:05
